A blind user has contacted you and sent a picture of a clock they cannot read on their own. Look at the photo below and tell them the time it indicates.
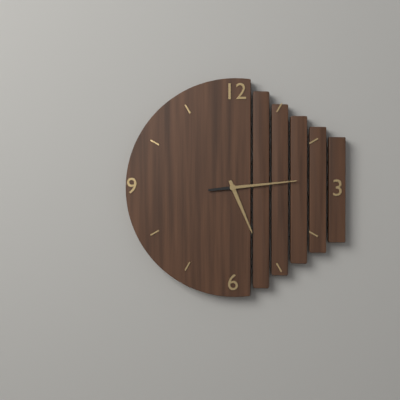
5:14
